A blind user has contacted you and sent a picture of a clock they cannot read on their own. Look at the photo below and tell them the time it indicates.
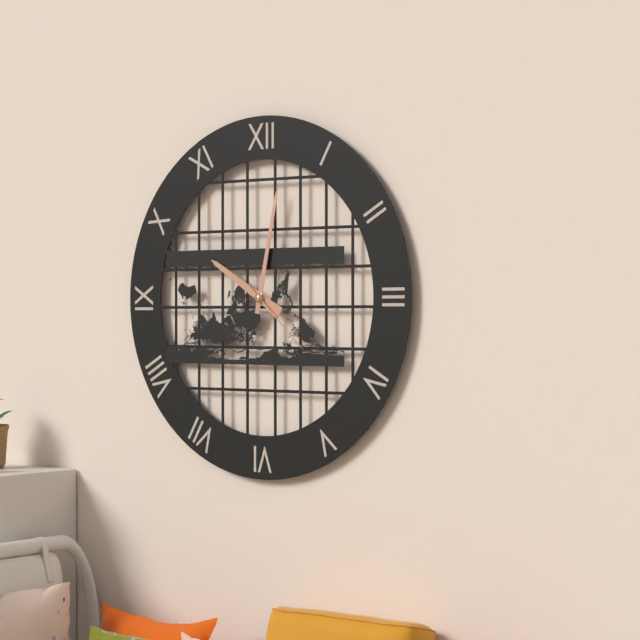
10:02:22
